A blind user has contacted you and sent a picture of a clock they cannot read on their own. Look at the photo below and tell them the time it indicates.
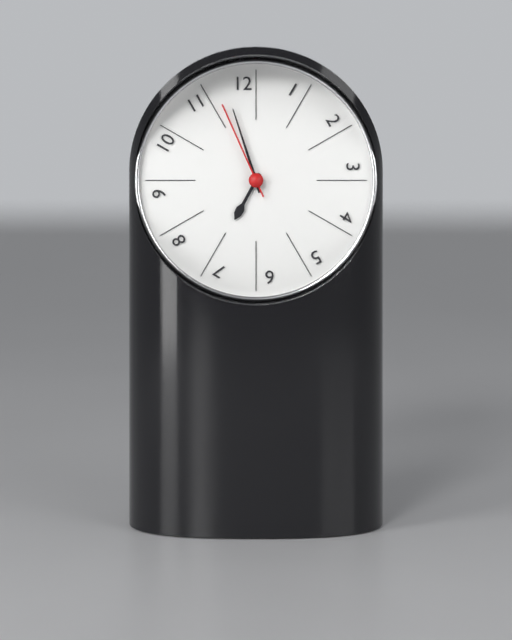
6:57:56
